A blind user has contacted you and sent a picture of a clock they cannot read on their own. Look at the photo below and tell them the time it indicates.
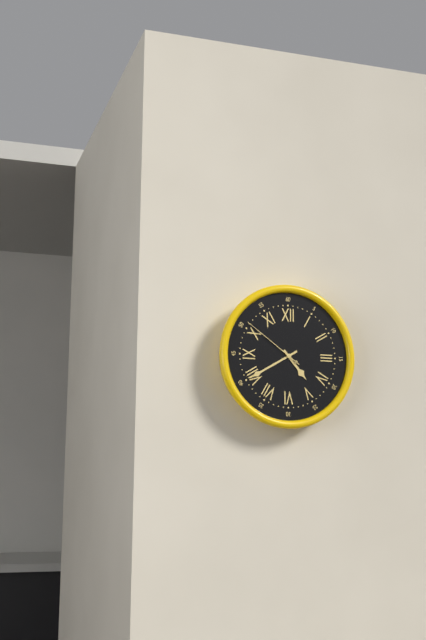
4:40:51
